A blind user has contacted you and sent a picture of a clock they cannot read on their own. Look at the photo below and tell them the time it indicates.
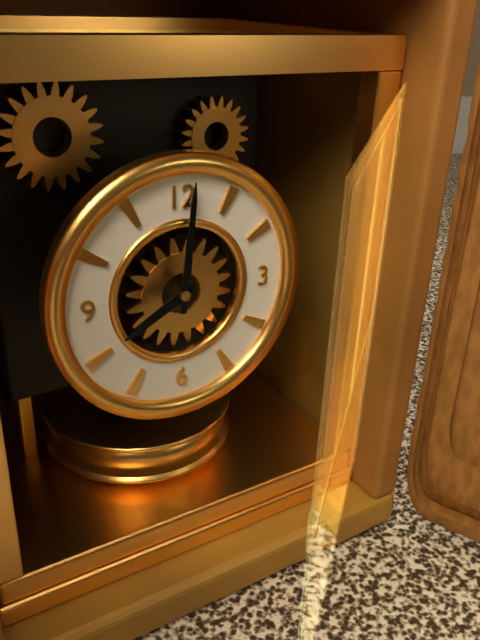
8:01
